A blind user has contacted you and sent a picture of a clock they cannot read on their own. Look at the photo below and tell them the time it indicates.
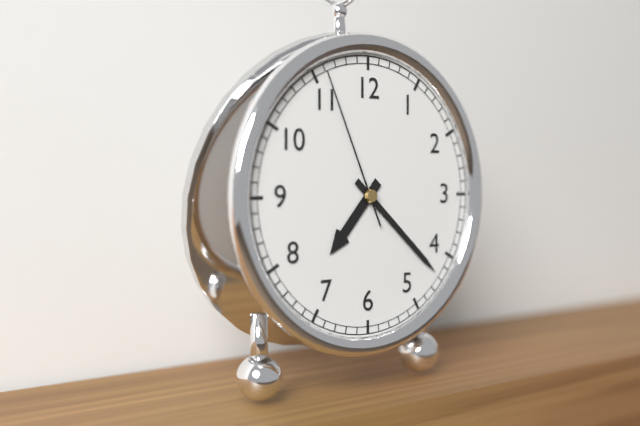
7:22:56
